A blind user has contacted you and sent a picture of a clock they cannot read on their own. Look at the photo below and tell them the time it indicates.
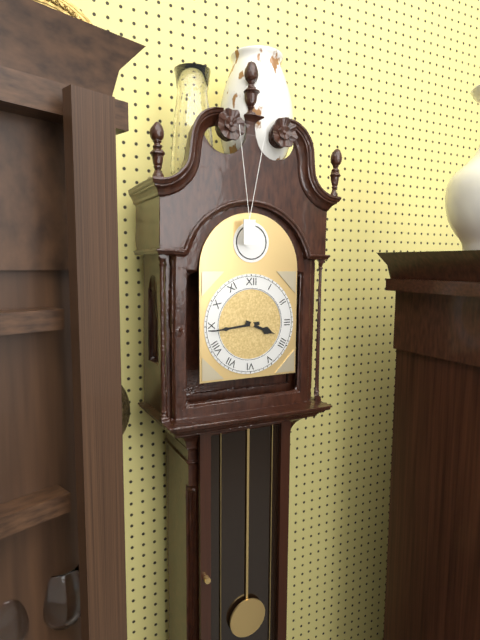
3:44
